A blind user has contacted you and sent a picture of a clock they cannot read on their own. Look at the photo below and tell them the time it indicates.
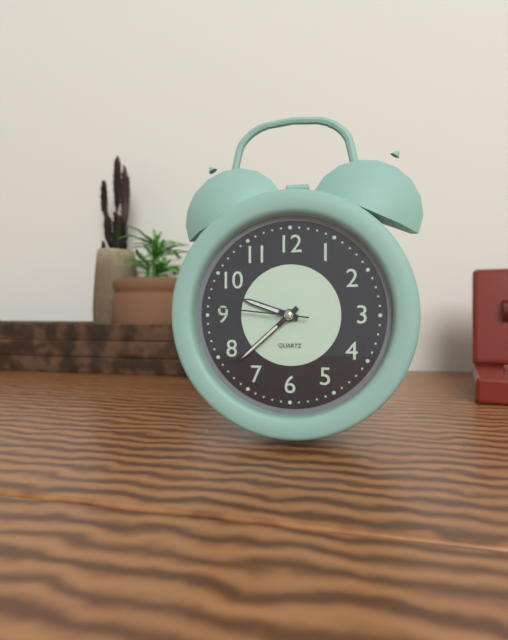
9:38:46
